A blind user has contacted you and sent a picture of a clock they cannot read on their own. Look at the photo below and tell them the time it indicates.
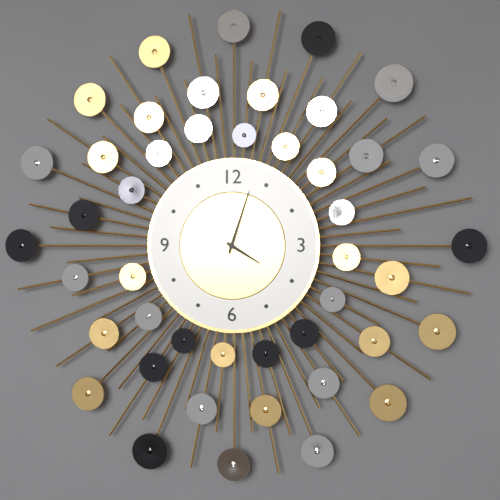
4:03
